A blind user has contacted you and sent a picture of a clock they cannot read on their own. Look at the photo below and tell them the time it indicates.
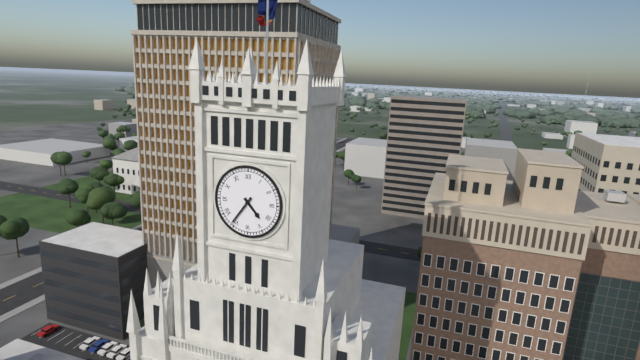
4:36
